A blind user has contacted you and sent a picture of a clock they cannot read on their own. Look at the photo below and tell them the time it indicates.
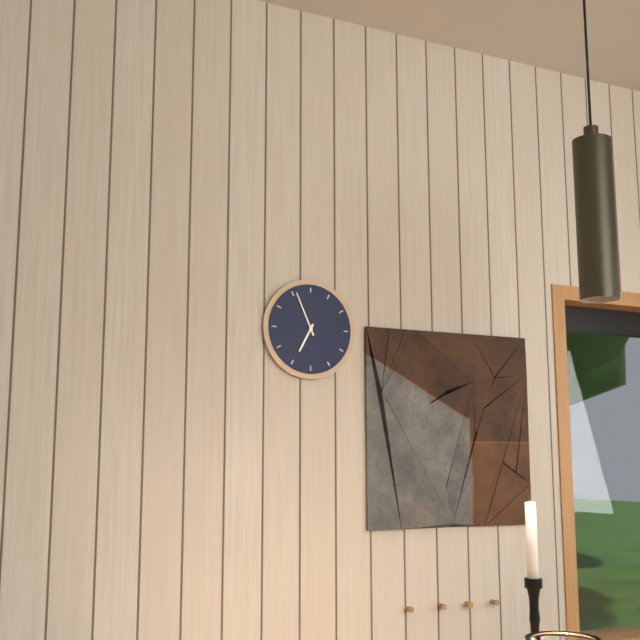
6:56
